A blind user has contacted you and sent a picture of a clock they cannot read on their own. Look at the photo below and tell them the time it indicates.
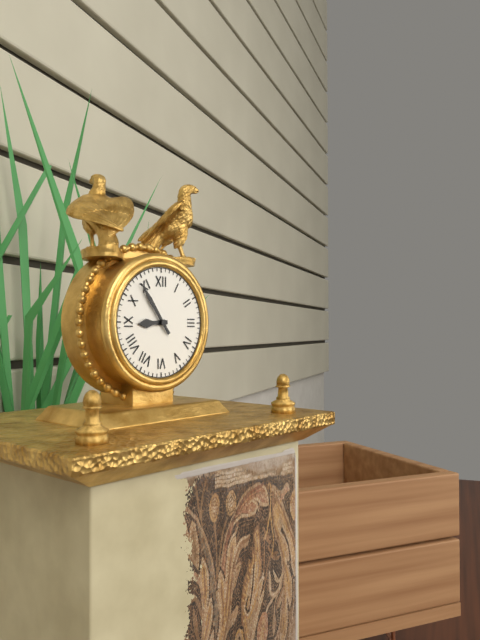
8:54
